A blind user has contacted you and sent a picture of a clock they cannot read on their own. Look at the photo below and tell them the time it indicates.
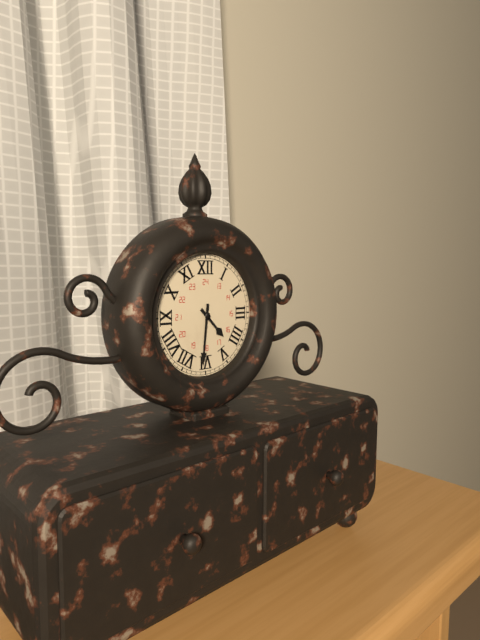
4:31
